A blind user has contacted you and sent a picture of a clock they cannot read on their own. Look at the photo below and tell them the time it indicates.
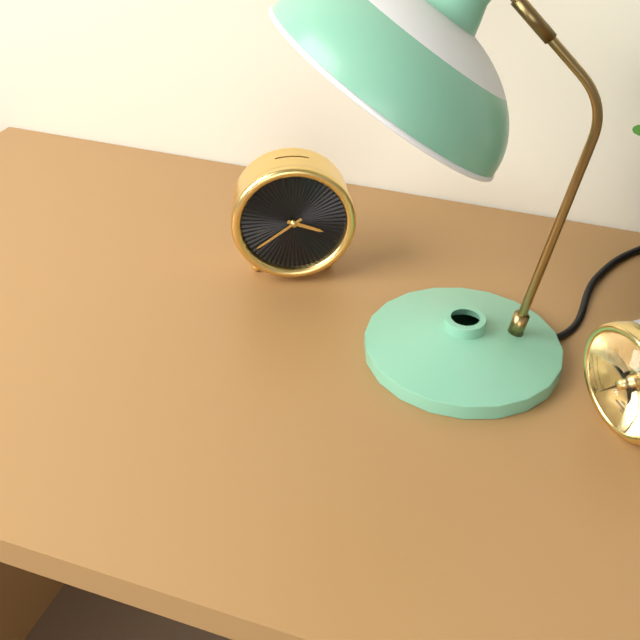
3:39
